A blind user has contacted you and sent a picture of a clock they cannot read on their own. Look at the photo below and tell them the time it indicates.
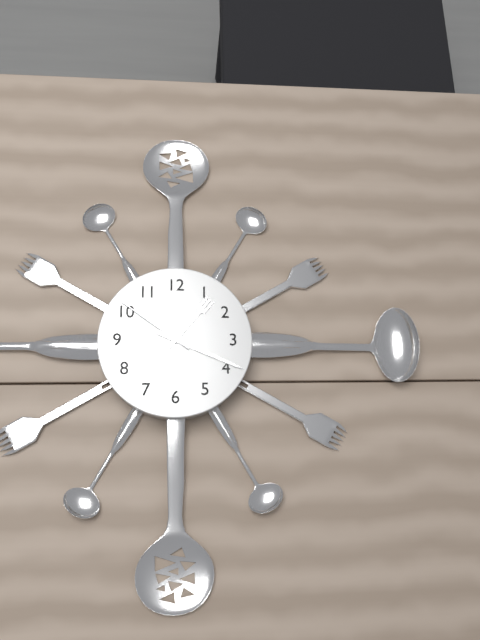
1:19:51
